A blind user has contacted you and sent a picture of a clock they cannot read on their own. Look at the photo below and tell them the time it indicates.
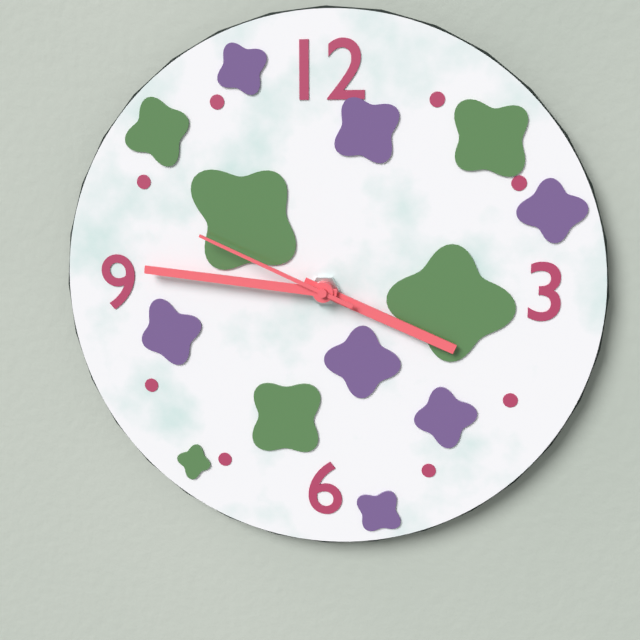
3:46:49
